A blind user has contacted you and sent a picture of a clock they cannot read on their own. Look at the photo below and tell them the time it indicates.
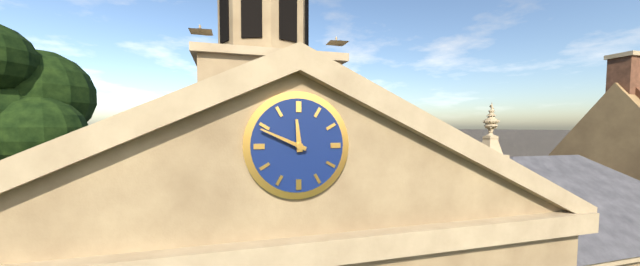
11:49
